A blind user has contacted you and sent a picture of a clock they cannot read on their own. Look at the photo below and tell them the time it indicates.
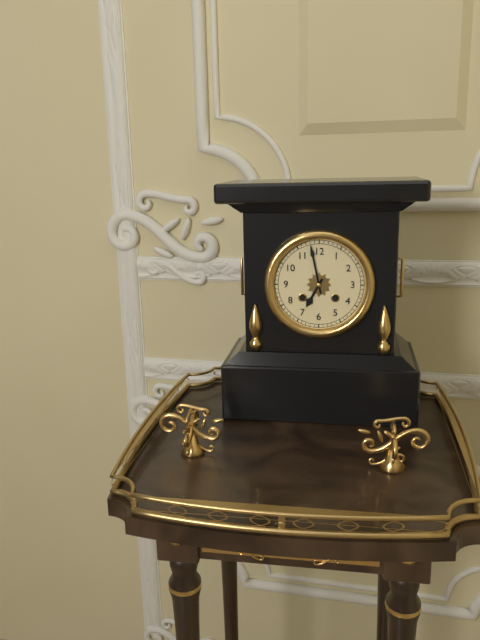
6:58
